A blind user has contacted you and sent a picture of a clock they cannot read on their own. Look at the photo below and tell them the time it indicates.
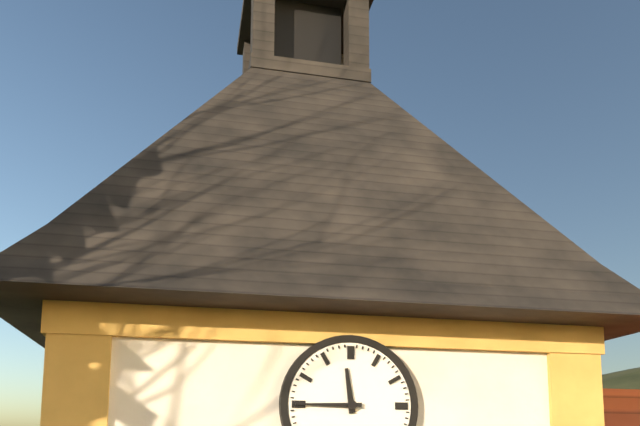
11:45
